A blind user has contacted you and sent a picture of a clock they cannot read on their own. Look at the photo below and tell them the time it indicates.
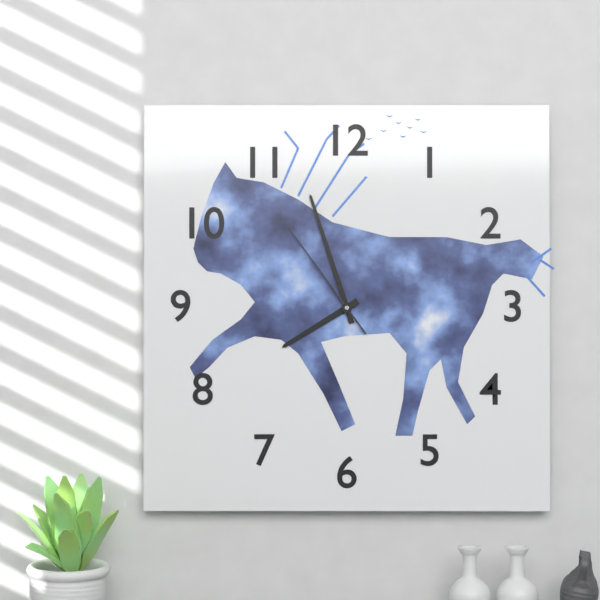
7:57:54
